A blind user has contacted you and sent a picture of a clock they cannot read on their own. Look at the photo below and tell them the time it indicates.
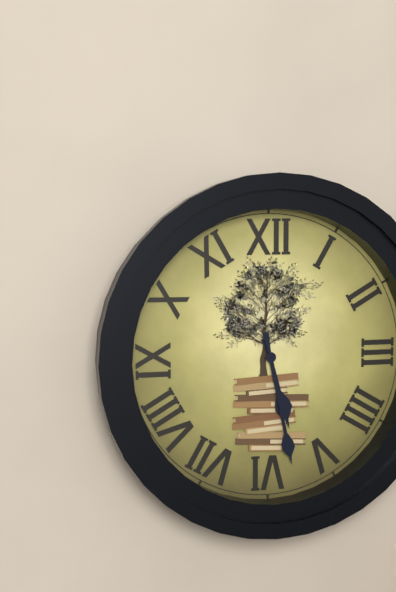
5:28
